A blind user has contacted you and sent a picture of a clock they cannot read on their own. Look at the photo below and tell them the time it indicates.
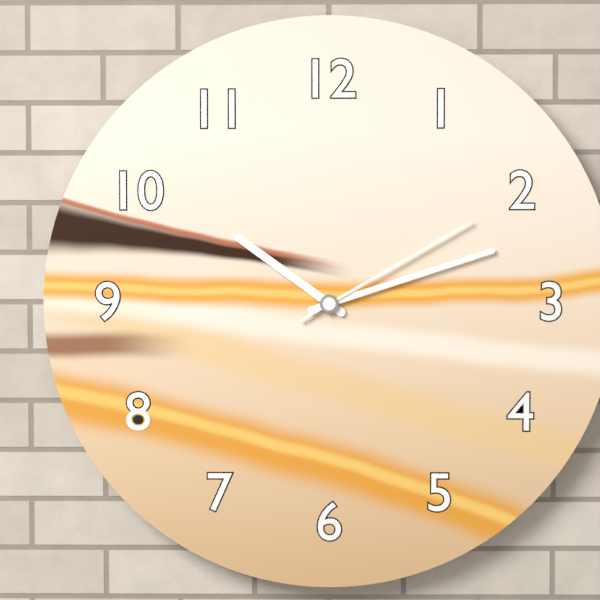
10:12:10
